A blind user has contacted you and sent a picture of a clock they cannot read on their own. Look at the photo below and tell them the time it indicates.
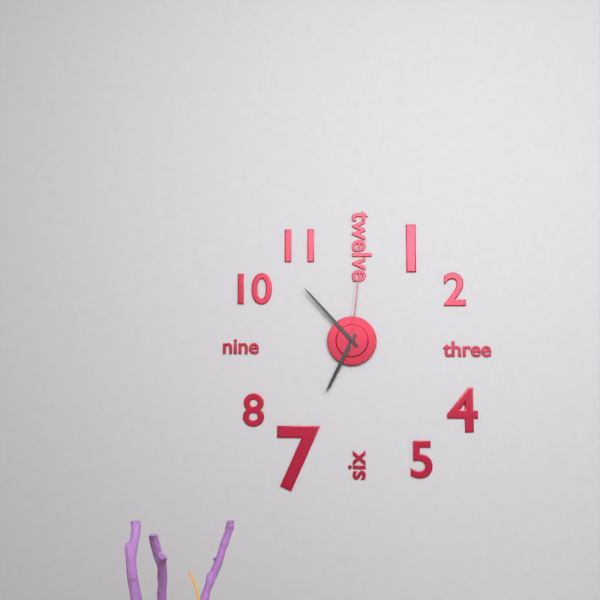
6:53:01
